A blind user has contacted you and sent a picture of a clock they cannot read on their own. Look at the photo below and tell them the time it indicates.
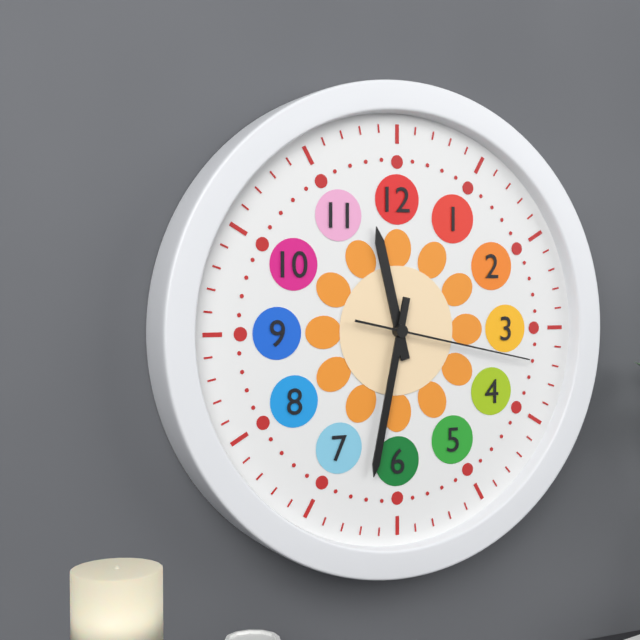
11:32:17
